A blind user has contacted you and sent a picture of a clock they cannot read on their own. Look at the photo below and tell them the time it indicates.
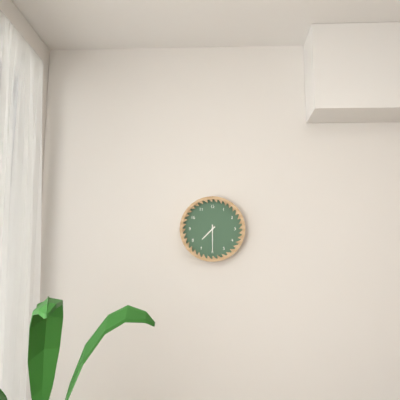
7:30
